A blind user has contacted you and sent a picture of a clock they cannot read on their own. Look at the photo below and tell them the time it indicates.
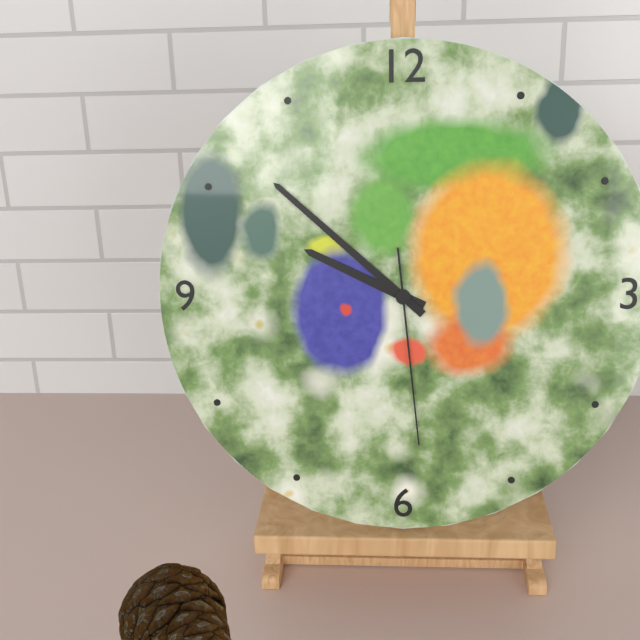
9:52:29
